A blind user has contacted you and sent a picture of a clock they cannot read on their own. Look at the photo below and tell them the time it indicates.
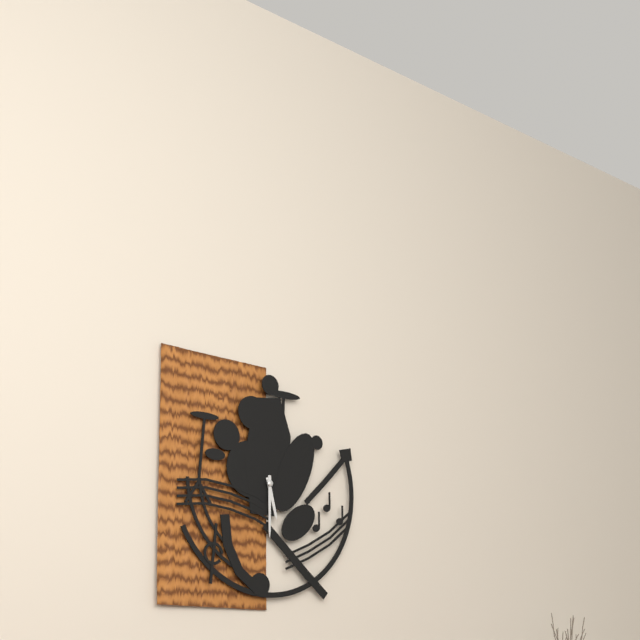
5:30
